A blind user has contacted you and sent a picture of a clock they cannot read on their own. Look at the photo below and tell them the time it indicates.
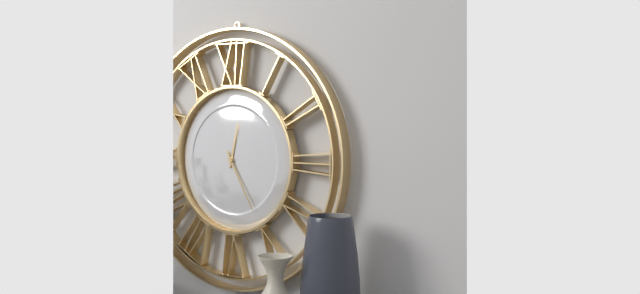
12:25
